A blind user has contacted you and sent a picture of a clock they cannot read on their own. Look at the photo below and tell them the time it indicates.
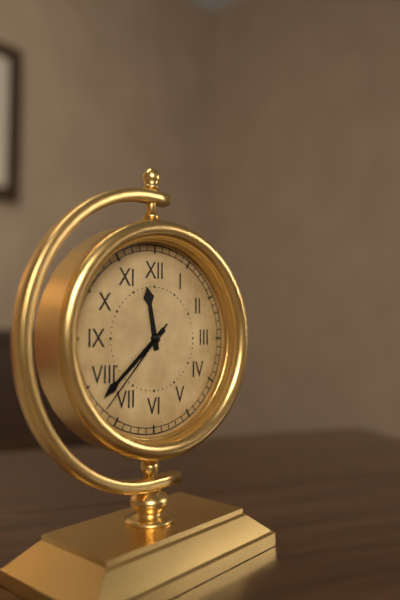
11:38:37
